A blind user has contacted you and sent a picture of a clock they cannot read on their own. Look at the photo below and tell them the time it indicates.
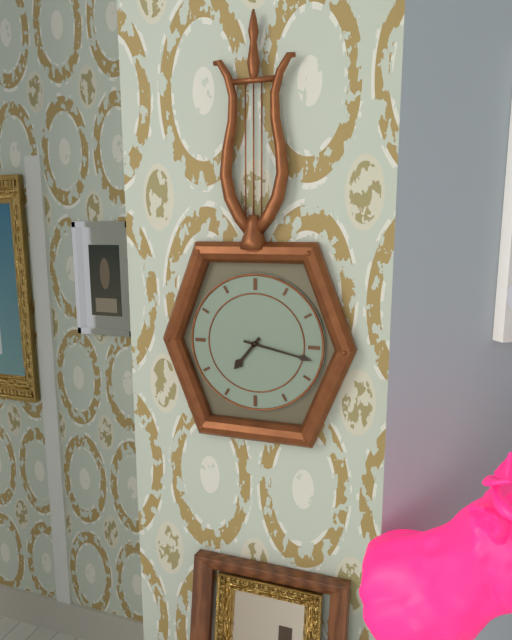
7:17
